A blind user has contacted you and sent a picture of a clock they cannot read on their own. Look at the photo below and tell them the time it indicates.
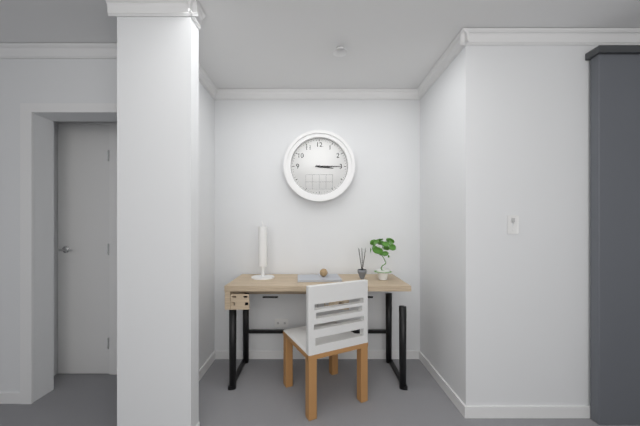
3:15
